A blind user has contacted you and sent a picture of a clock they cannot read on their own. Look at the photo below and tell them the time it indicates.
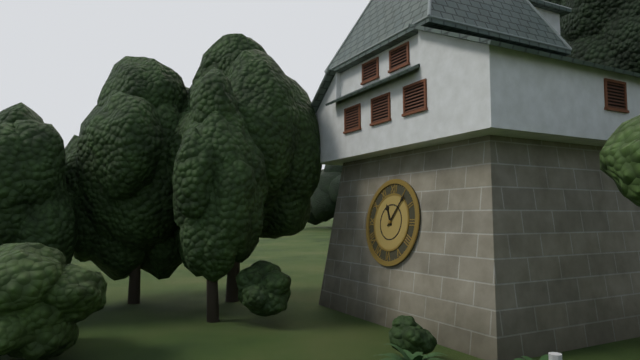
11:06
